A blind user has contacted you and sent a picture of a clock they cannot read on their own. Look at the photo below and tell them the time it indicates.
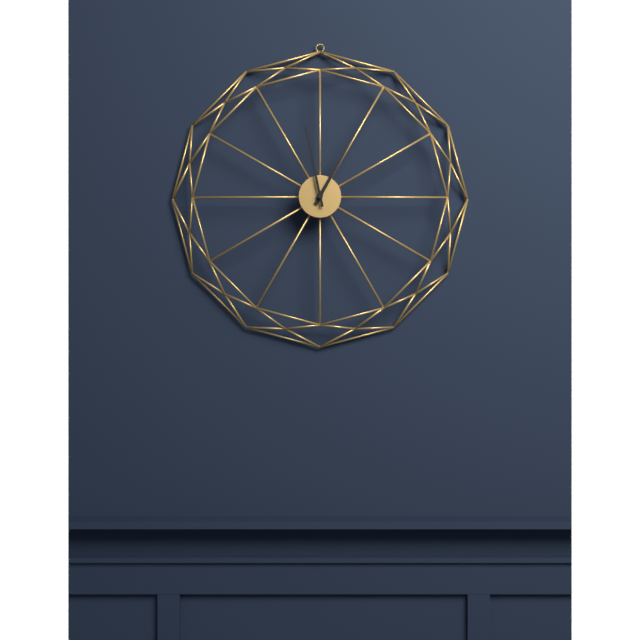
12:58
